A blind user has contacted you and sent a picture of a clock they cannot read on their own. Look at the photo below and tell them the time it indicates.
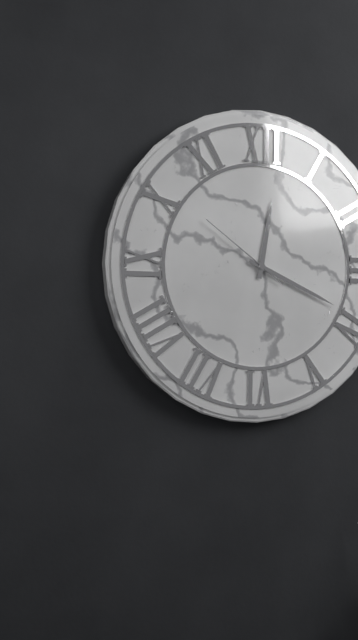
12:19:51
